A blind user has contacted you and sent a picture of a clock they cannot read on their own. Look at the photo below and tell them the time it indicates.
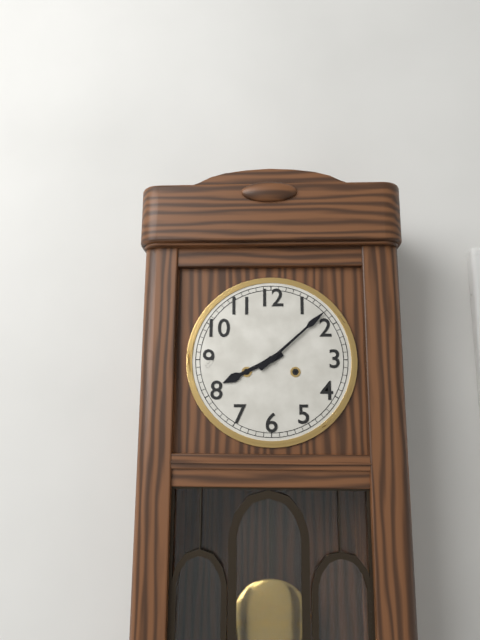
8:08
